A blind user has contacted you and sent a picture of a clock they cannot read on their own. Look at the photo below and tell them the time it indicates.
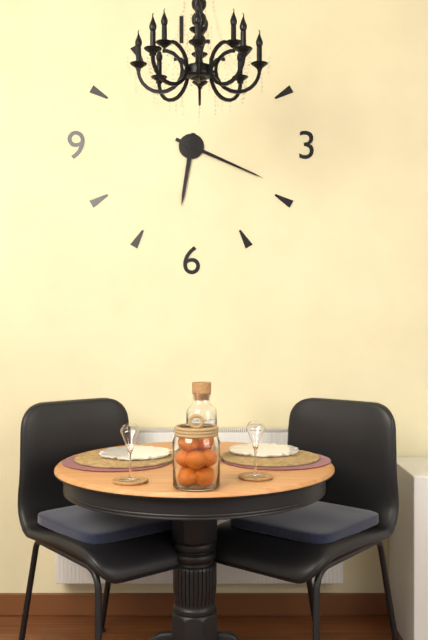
6:19
